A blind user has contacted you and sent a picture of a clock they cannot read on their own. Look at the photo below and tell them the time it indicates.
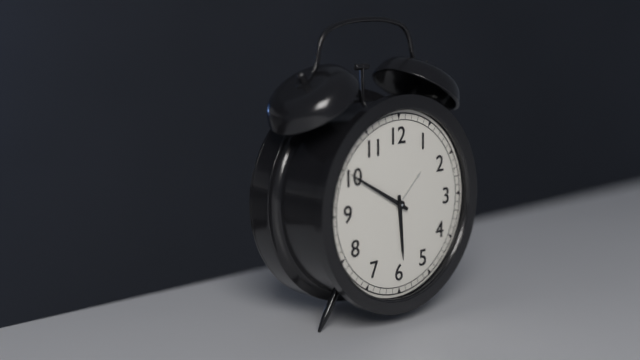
5:50
